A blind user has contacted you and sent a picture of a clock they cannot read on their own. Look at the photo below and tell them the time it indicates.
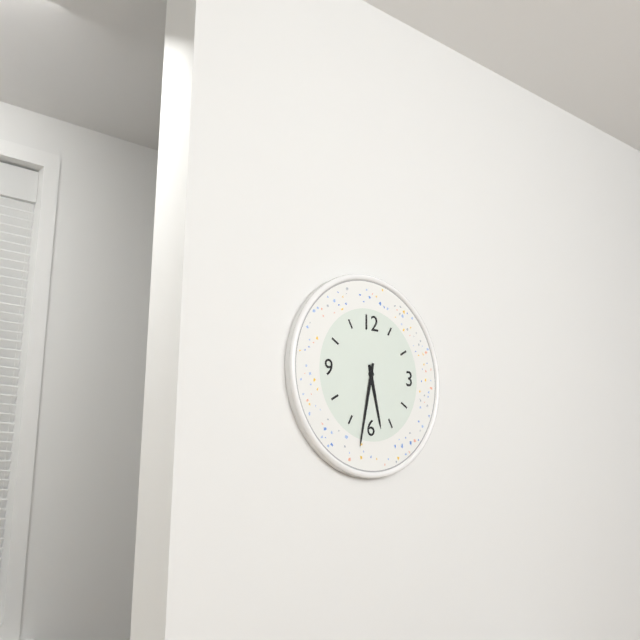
5:32
